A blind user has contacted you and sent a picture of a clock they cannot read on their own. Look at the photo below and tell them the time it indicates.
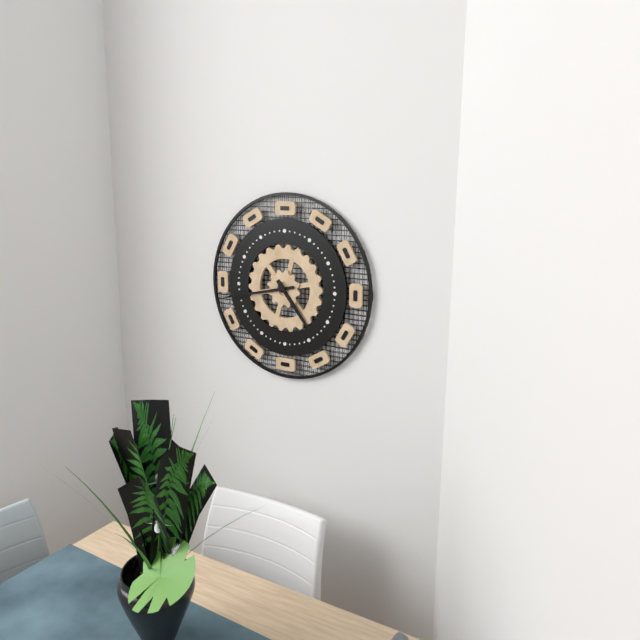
4:43
